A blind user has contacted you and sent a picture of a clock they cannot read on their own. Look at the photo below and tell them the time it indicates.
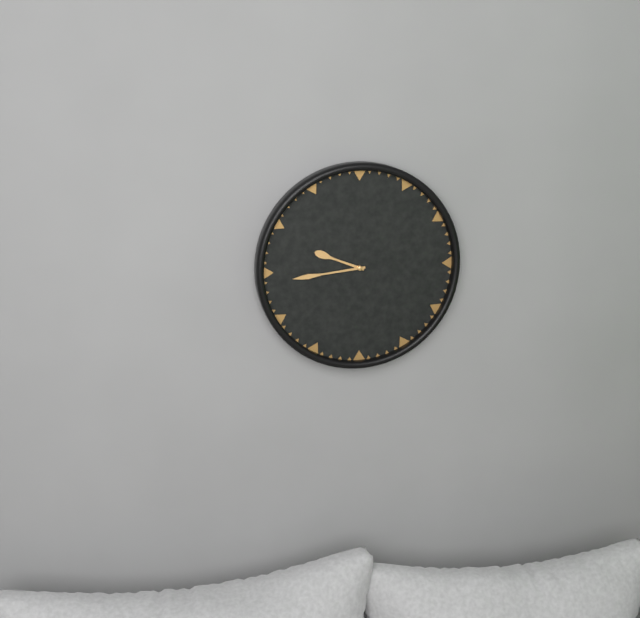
9:44
